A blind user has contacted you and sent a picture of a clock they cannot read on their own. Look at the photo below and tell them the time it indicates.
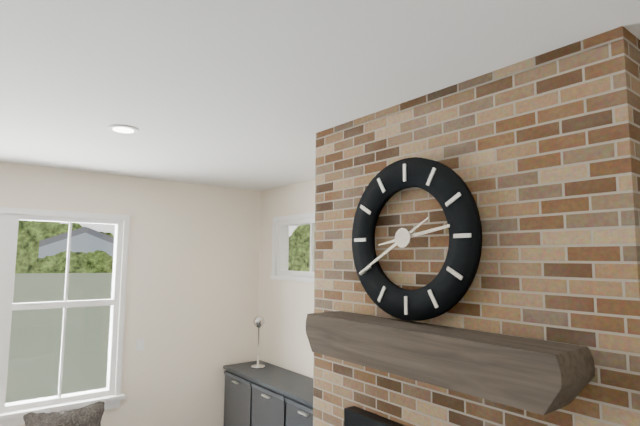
2:40
